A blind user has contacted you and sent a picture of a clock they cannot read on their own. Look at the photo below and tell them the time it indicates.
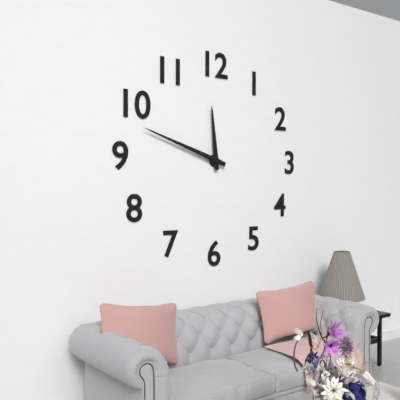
11:48
